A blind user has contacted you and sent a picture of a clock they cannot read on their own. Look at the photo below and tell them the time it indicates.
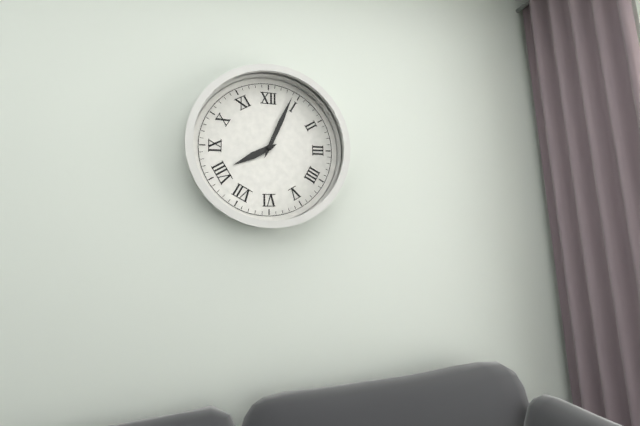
8:04
